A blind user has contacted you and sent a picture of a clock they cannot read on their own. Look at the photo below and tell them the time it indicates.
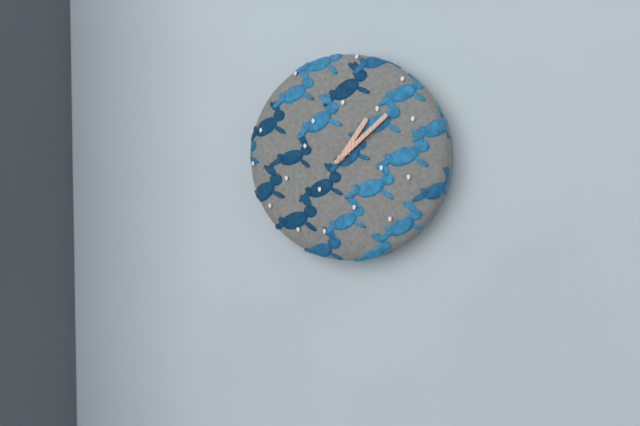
1:08
